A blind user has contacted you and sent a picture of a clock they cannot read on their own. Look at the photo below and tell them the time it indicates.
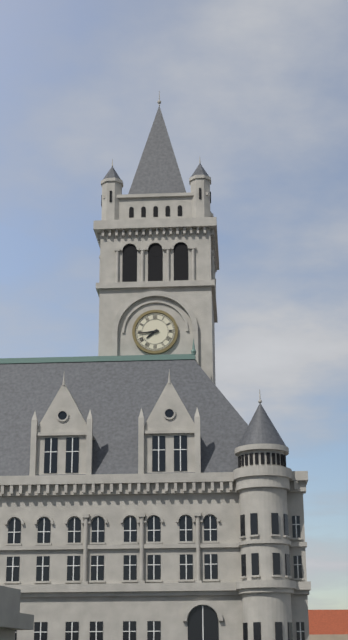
7:44
